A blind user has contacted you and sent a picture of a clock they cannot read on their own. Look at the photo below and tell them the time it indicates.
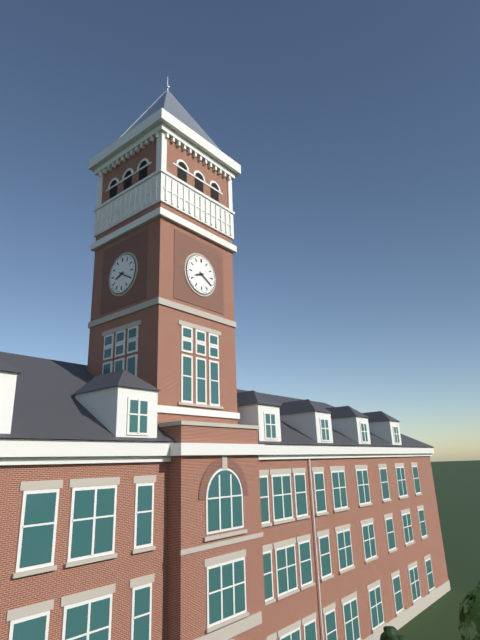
8:20
